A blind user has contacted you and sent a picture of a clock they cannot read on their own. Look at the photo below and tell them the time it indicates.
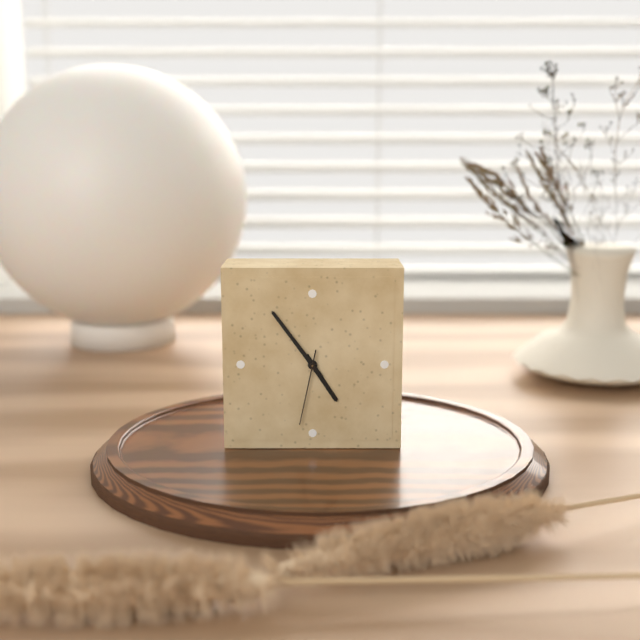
4:54:32
